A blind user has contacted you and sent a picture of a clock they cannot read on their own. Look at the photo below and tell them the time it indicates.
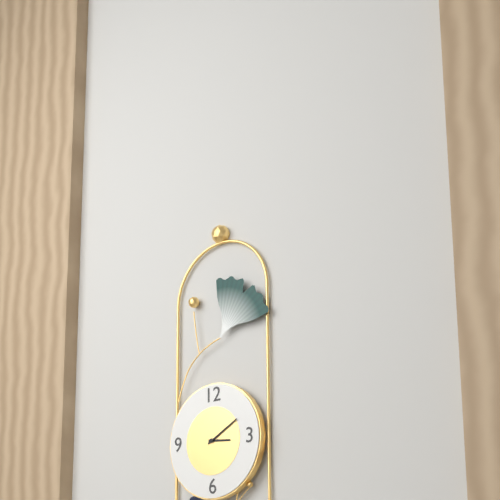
3:10
